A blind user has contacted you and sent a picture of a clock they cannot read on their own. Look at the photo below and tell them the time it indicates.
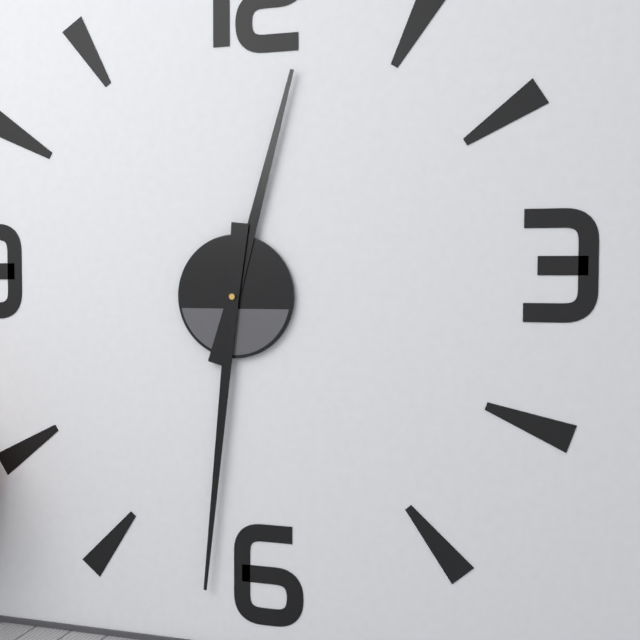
12:31
